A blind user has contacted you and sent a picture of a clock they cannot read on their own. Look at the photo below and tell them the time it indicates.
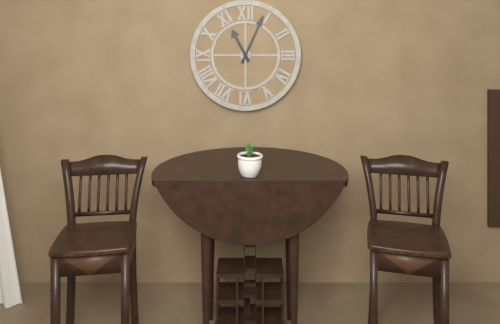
11:04
